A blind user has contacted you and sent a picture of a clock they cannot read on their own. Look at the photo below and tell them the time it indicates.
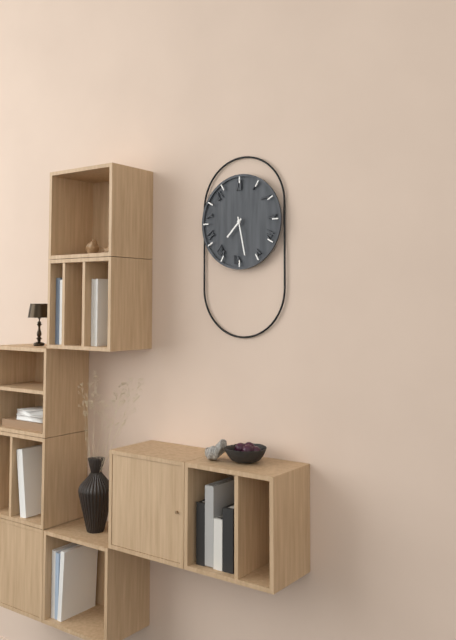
7:28
